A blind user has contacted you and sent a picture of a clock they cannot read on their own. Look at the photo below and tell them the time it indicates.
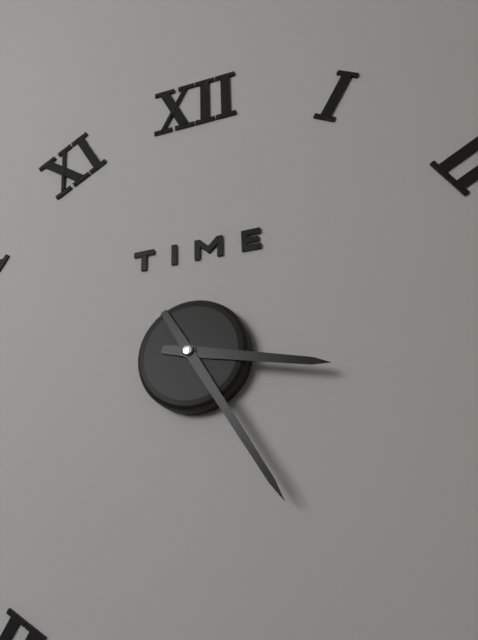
3:25
